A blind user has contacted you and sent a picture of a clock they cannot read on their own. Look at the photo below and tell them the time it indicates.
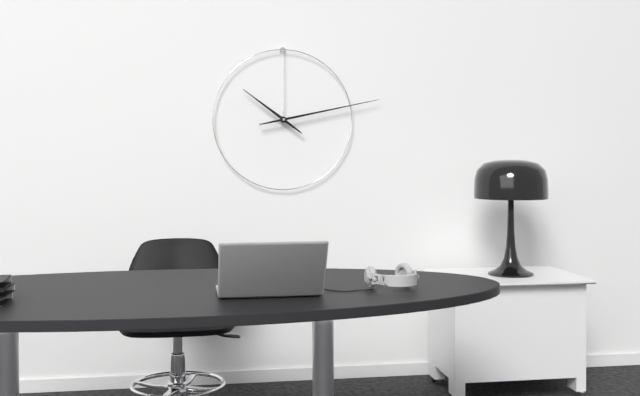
10:13
